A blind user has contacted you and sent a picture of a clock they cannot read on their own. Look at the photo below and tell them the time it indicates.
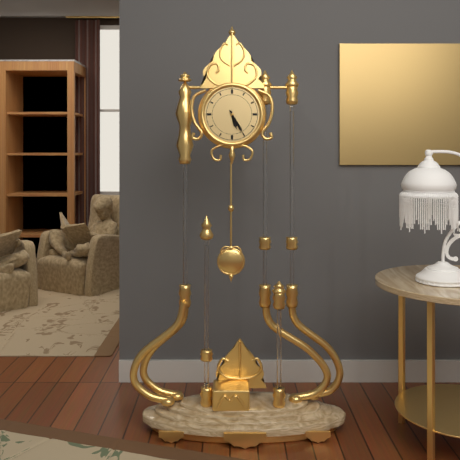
5:25
